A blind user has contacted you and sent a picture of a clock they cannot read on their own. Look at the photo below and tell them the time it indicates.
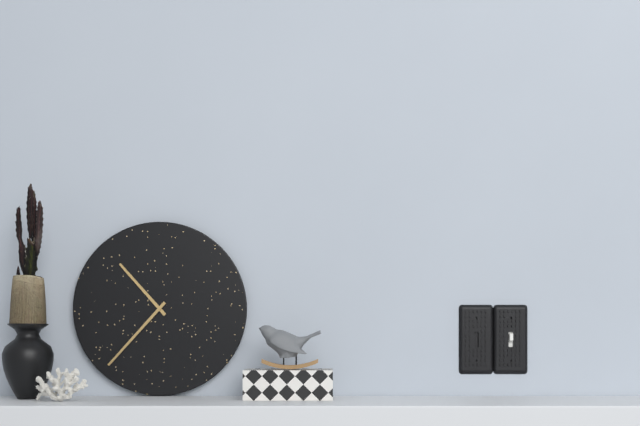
10:37
